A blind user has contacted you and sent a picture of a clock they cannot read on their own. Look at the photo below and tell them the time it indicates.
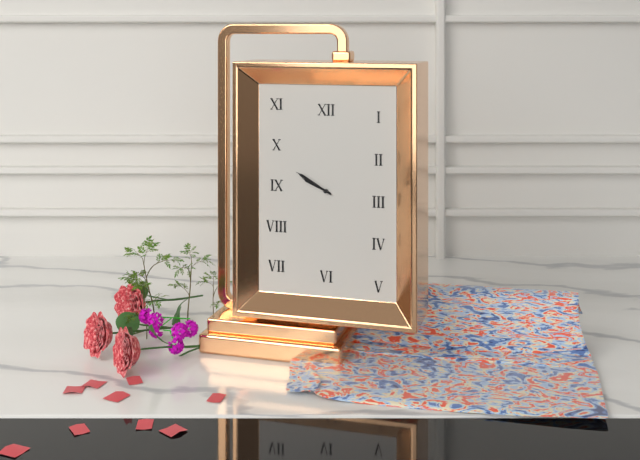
9:50
